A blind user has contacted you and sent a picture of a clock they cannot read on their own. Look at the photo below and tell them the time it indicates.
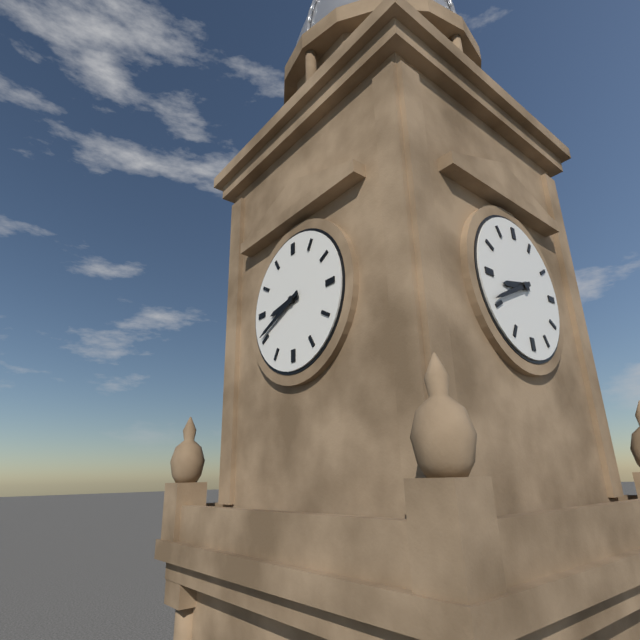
8:41
